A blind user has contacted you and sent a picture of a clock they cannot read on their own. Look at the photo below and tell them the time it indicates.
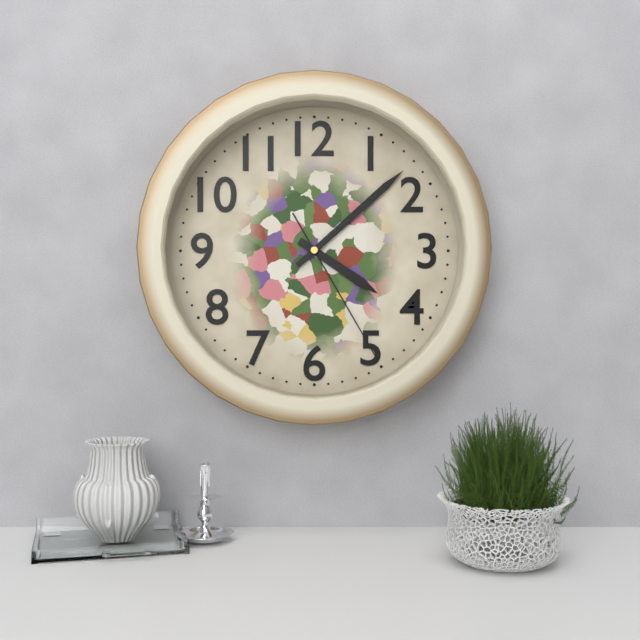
4:08:25
